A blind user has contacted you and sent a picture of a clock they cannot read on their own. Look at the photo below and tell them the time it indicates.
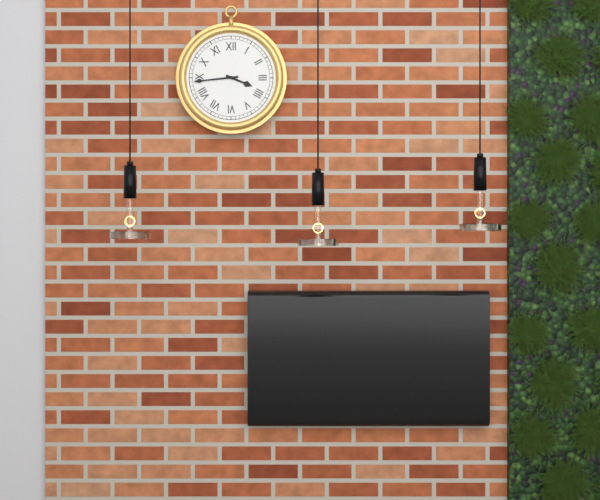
3:44
